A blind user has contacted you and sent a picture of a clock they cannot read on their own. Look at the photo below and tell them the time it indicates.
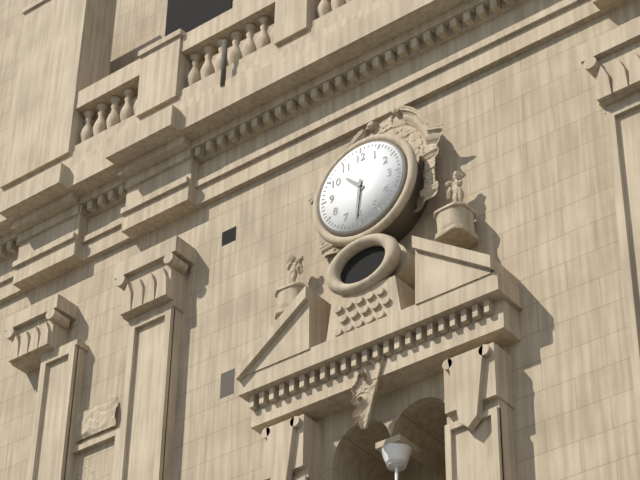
10:31
